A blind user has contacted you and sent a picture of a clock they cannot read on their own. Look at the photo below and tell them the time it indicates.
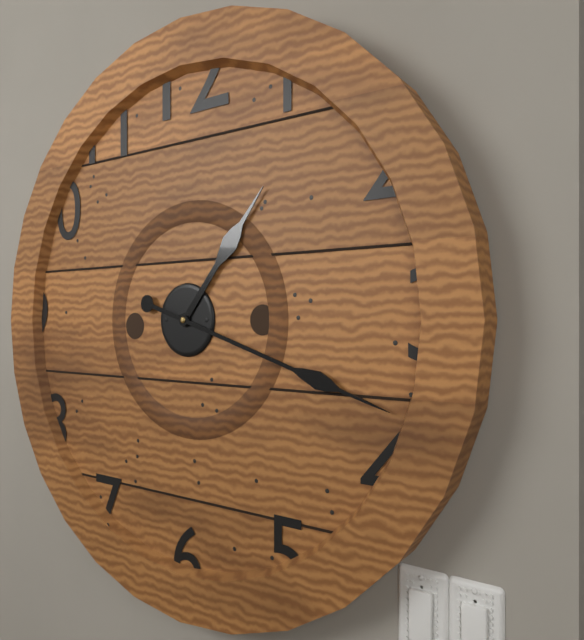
1:18
